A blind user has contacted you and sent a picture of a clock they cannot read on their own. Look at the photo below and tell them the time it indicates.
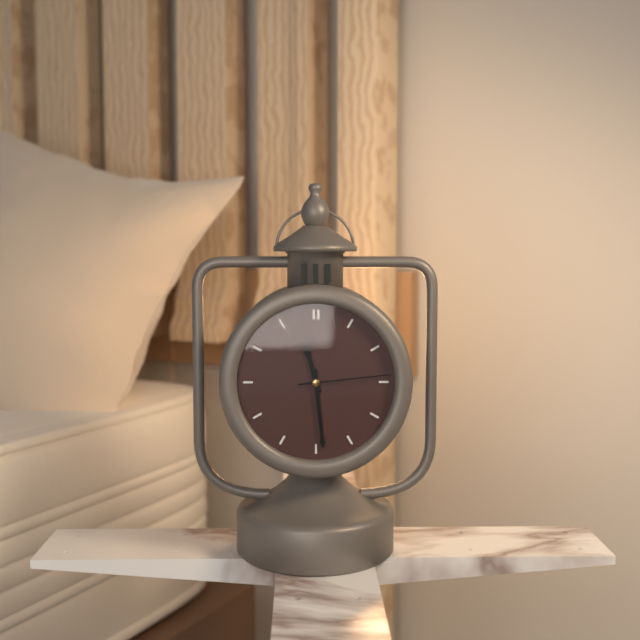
11:29:14
